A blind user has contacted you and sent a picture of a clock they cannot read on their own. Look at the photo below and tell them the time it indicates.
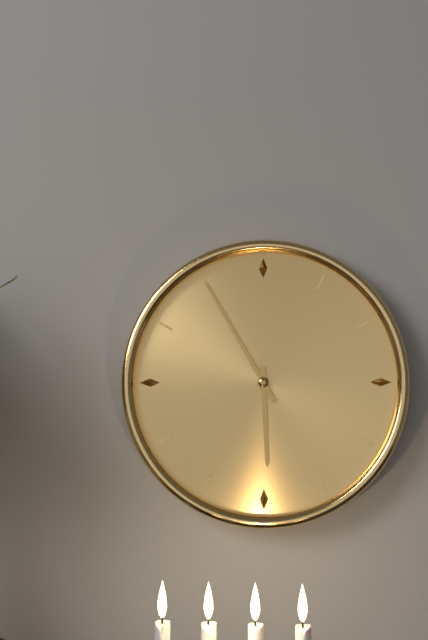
5:55
